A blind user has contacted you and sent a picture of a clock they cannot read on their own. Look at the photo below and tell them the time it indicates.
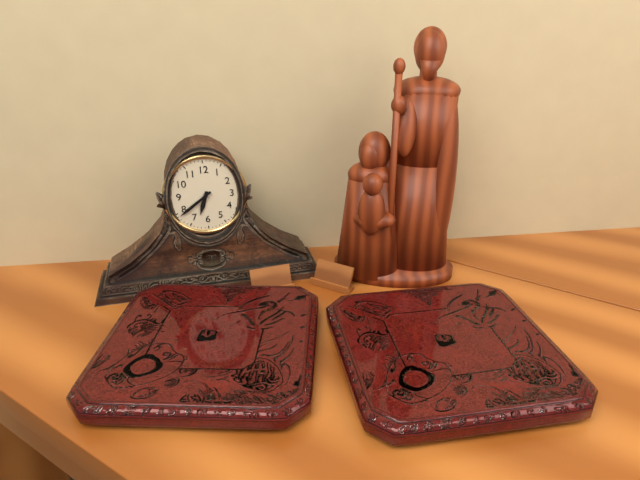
6:39
